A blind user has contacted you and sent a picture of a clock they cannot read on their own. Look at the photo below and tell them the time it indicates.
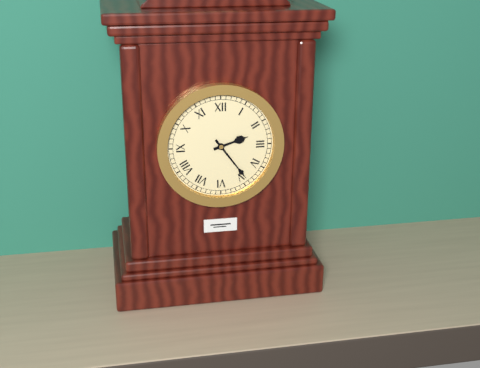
2:24
